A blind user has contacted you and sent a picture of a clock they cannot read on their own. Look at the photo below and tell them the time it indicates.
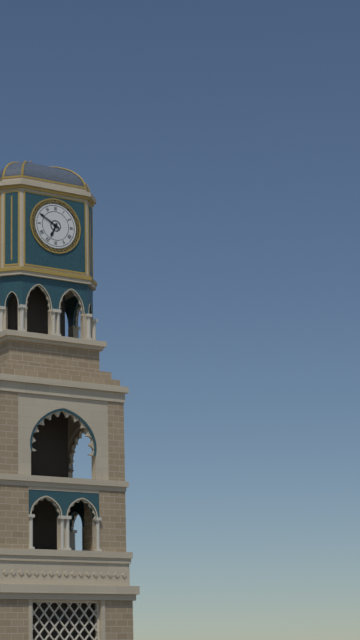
6:50
